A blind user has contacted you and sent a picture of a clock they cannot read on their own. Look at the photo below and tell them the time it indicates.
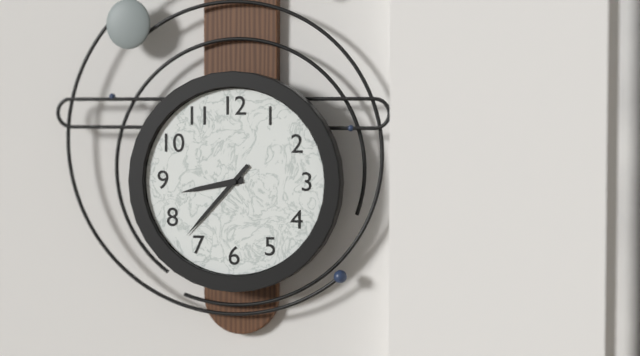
8:37
